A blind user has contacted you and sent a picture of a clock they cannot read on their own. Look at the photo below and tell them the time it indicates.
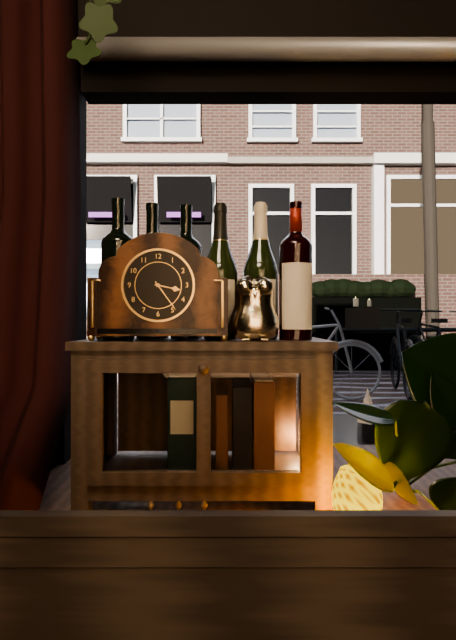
3:24
